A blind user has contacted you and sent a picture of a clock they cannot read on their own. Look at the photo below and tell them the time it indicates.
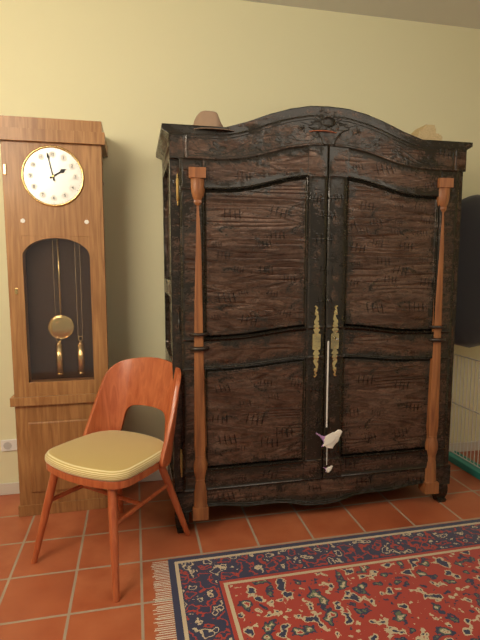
1:58
